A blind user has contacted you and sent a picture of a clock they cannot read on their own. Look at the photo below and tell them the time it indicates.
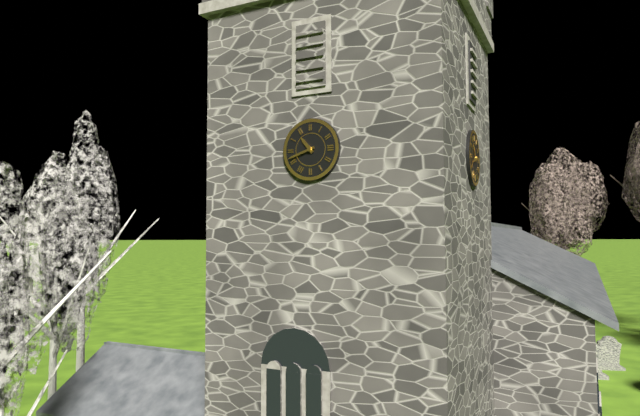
10:42
